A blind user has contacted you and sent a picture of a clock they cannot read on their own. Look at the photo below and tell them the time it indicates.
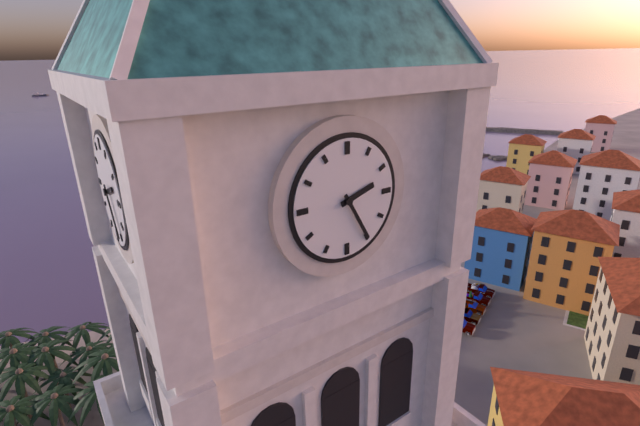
2:25
